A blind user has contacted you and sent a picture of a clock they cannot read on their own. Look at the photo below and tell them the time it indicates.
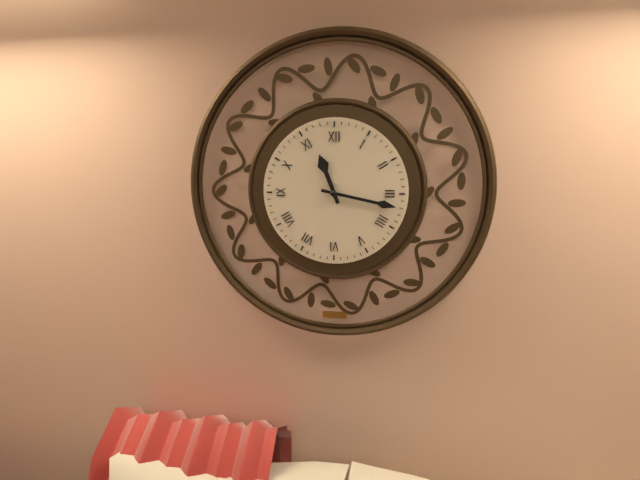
11:17
